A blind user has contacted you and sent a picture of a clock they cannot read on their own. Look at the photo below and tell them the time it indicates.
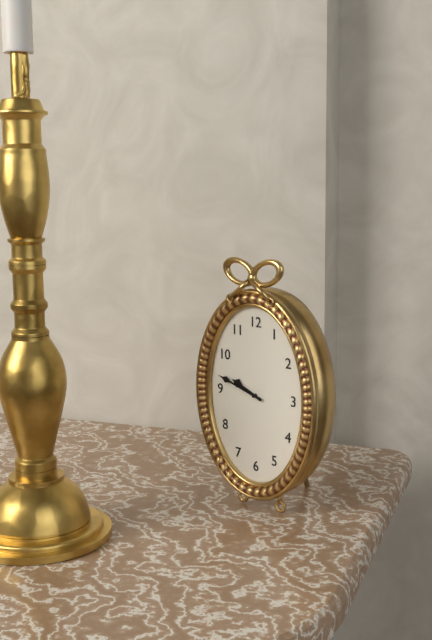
9:48
